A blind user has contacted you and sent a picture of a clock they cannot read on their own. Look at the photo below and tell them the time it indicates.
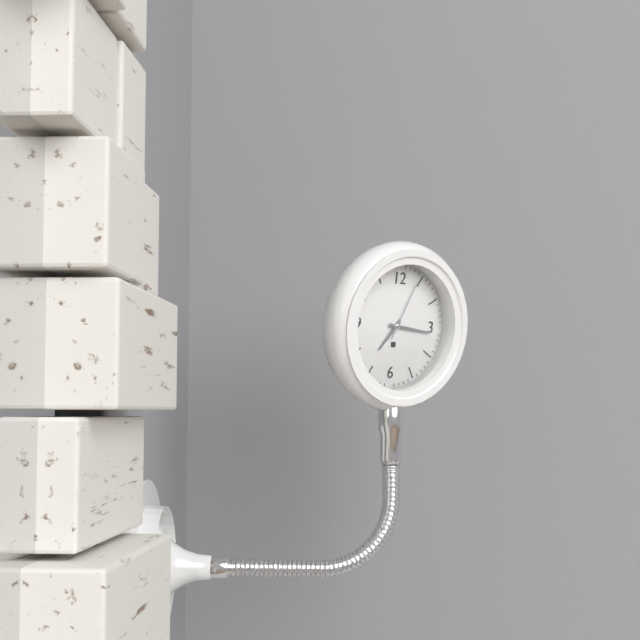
7:16:04
